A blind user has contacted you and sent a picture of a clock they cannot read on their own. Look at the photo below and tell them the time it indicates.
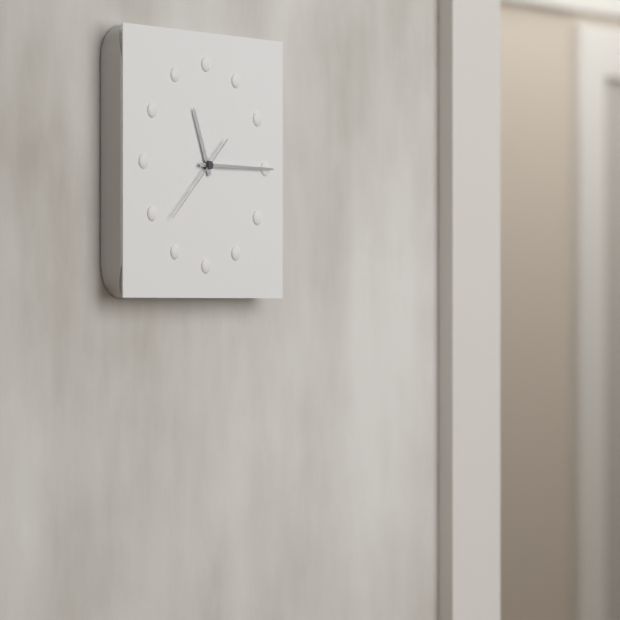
11:15:38
